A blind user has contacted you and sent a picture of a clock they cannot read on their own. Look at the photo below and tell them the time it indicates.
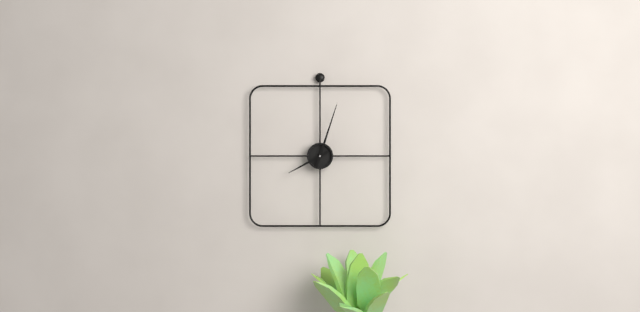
8:03
